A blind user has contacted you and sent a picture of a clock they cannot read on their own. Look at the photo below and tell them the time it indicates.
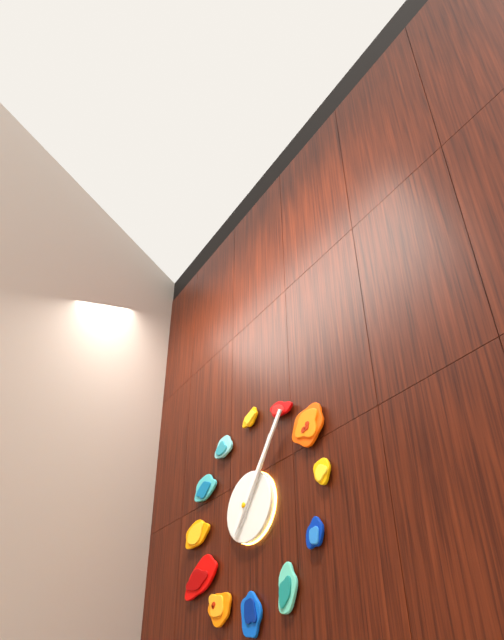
1:06
